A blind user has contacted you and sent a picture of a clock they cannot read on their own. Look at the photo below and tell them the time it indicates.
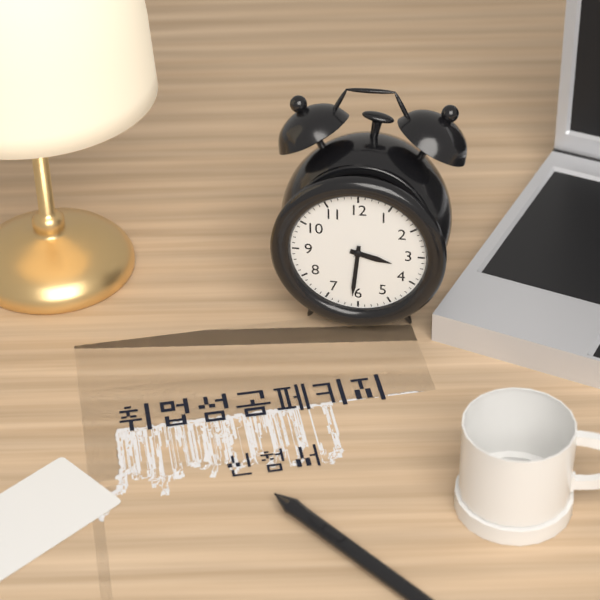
3:31
